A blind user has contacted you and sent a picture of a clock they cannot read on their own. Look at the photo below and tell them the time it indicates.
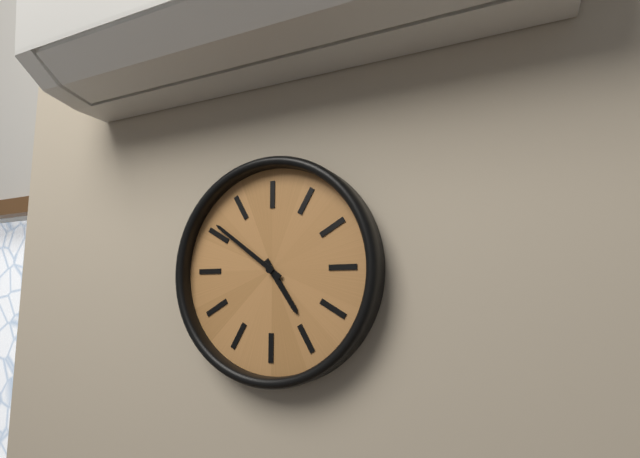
4:51
